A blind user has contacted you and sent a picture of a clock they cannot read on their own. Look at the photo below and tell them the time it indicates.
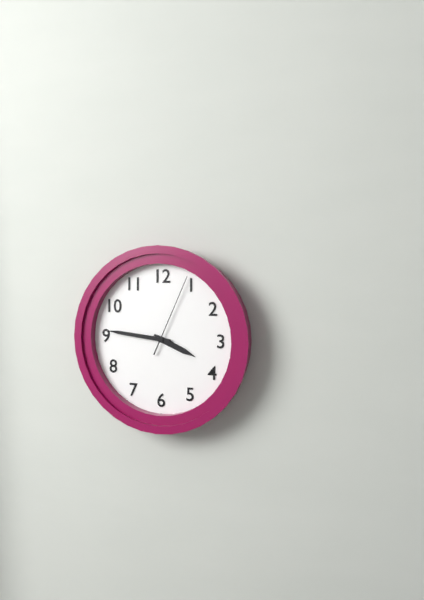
3:46:04
